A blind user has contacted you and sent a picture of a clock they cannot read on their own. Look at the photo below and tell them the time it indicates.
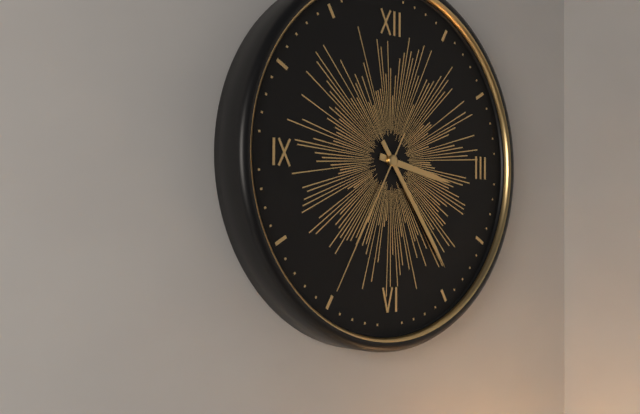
3:24:35
